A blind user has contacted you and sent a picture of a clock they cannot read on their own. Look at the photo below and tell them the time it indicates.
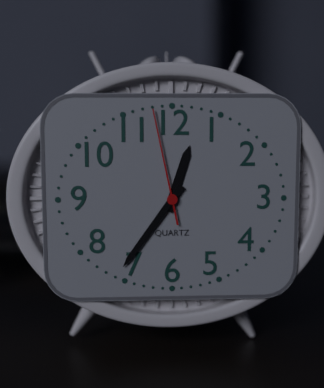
12:36:58
